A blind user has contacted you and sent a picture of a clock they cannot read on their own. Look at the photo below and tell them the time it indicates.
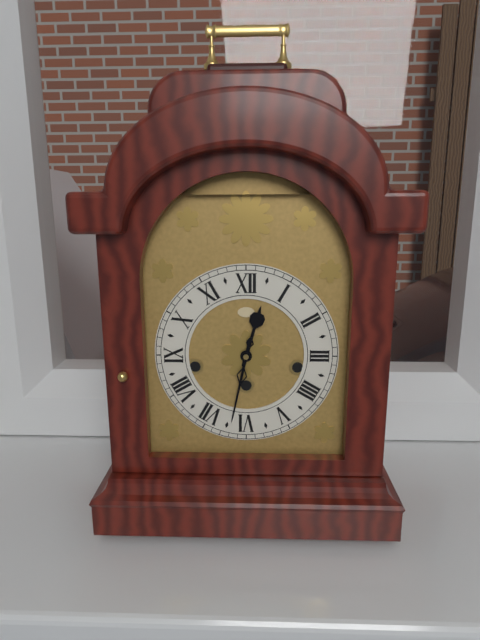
12:32
